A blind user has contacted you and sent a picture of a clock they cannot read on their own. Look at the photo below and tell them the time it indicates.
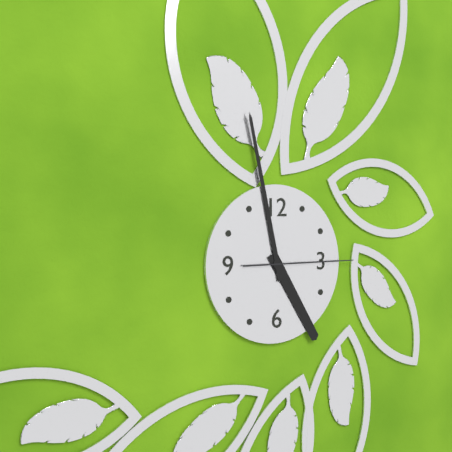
4:58:15
